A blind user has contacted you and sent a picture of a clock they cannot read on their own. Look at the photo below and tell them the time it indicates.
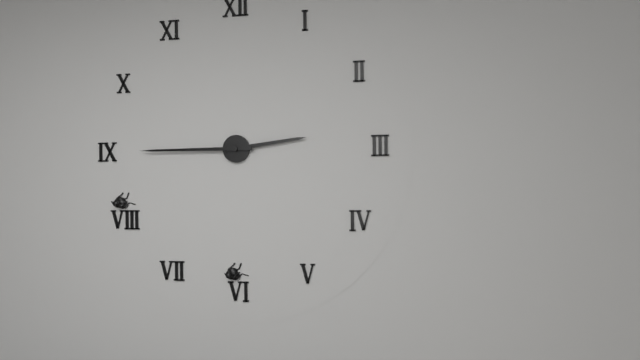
2:45
